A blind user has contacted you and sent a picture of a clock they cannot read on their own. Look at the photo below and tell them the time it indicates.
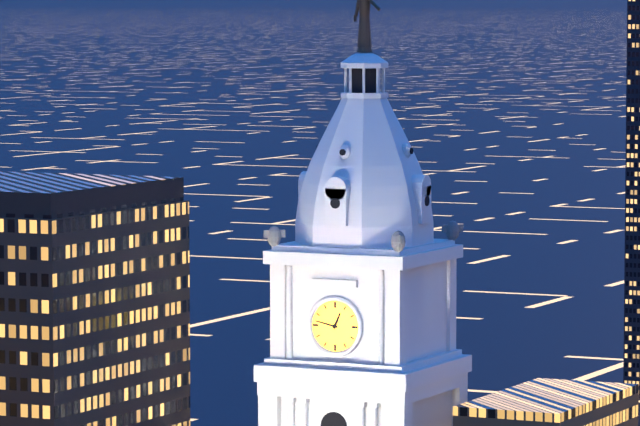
12:47
